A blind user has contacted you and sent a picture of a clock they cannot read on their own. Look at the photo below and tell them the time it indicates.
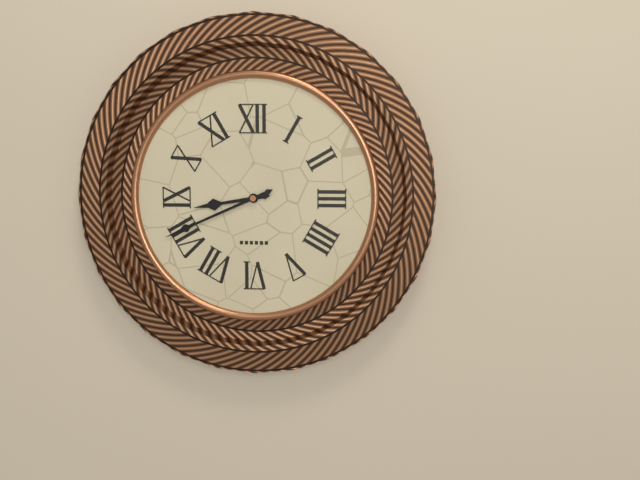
8:41
